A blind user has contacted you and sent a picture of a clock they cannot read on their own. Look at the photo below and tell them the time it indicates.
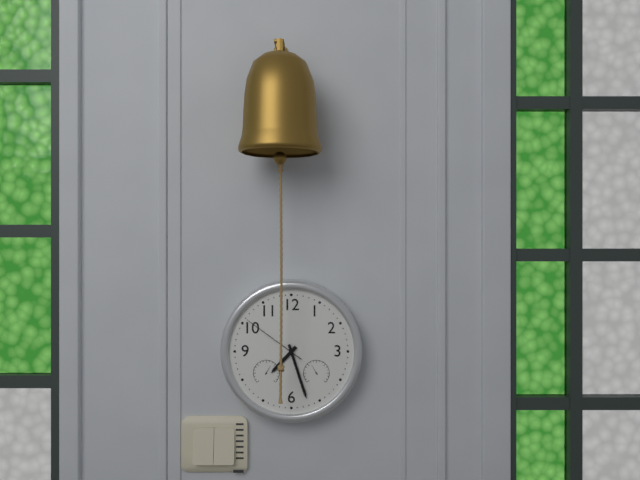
7:27:51
